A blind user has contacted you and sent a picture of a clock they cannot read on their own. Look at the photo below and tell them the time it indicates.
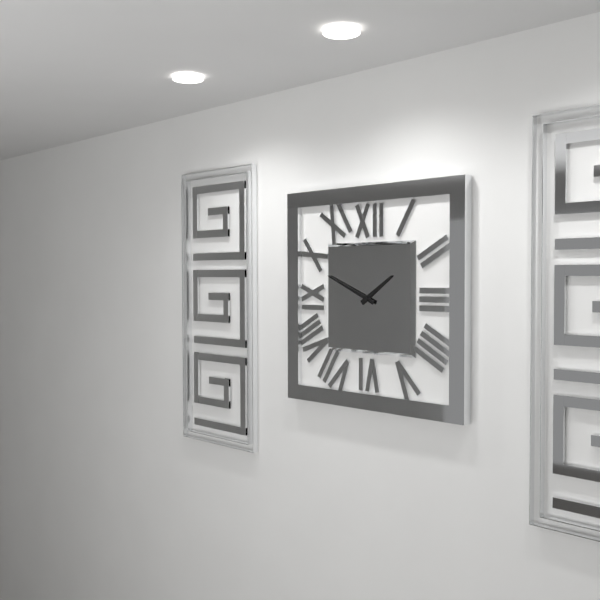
1:49
